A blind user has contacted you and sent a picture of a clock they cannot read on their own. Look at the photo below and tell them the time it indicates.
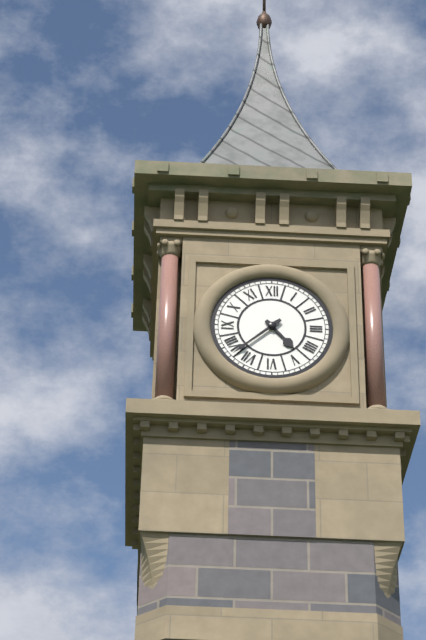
4:38
